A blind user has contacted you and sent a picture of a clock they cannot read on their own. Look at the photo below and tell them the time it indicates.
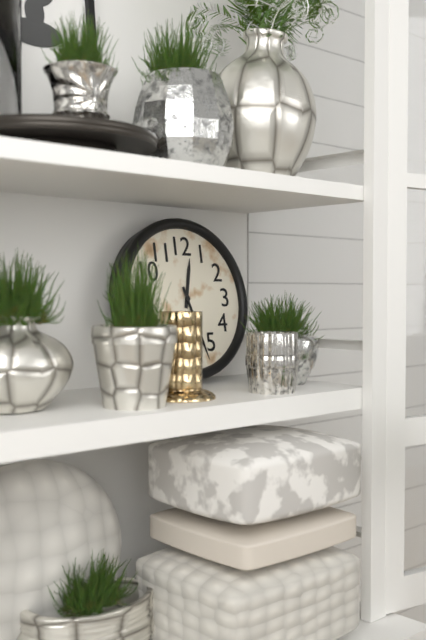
12:27
